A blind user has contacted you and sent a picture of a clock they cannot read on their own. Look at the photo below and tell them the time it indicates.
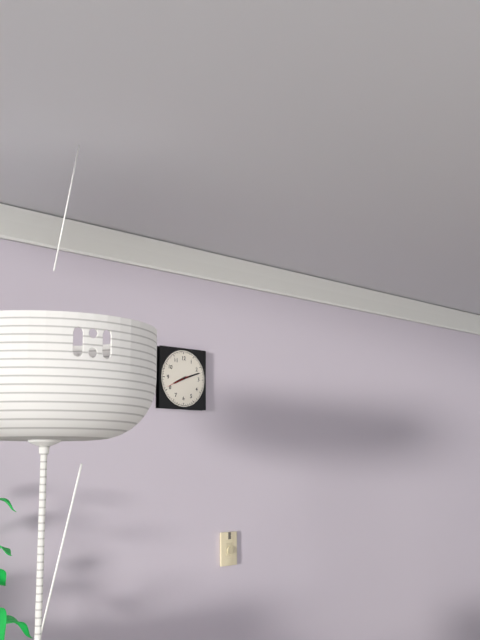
8:12
